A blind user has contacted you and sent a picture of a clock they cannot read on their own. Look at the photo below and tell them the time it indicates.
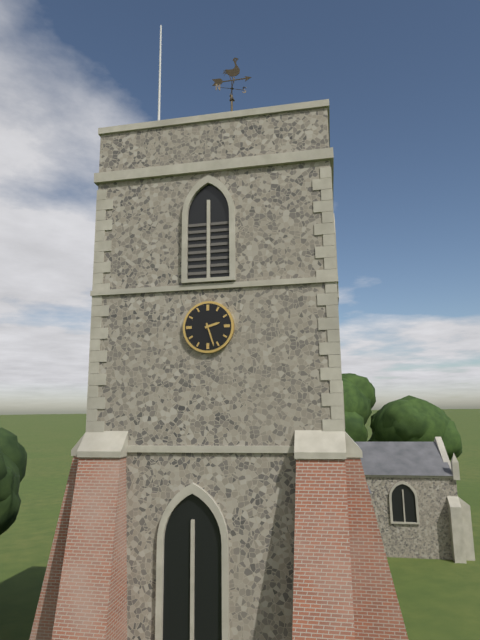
2:27
